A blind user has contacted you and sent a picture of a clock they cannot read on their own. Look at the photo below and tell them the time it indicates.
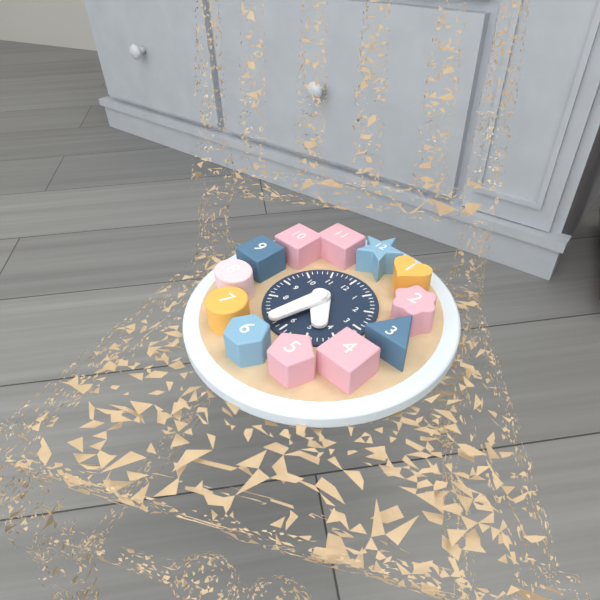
4:32
